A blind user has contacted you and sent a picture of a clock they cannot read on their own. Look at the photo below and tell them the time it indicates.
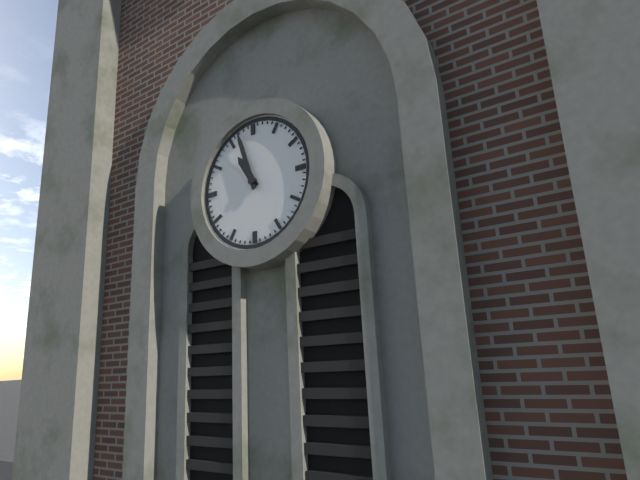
10:57
